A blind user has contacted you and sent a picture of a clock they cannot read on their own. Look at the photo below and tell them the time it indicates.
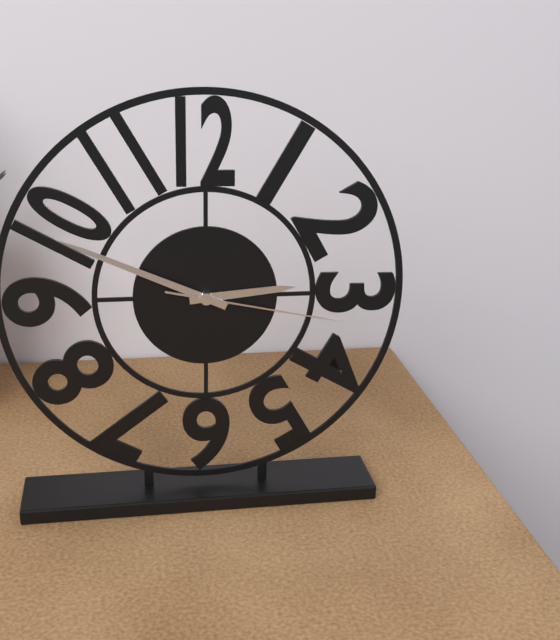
2:49:17
